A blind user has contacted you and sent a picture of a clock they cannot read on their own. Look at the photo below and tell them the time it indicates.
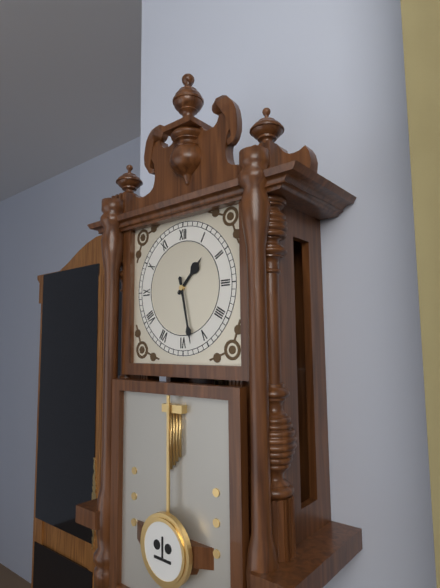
1:28
